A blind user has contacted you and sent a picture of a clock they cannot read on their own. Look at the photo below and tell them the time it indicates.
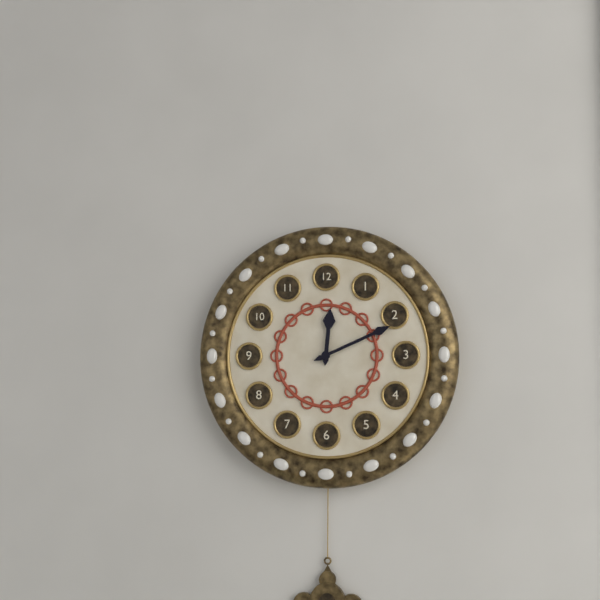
12:11
